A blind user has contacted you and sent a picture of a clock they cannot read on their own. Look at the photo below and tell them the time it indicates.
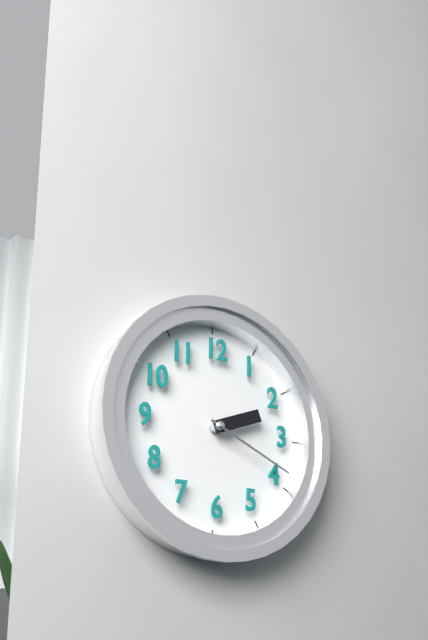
2:19
